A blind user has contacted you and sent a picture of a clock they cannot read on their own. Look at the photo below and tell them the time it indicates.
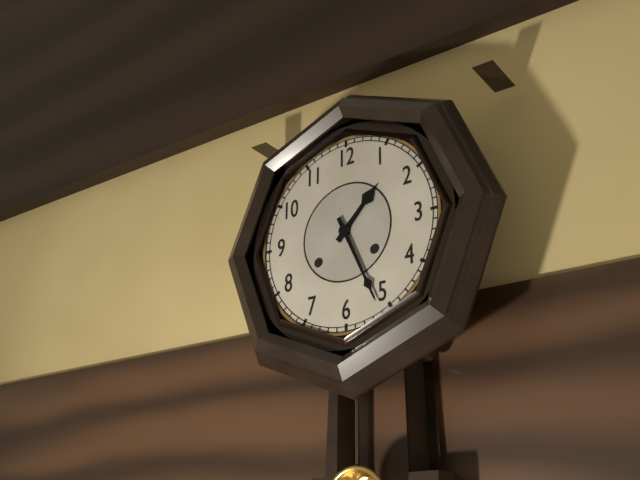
1:26
